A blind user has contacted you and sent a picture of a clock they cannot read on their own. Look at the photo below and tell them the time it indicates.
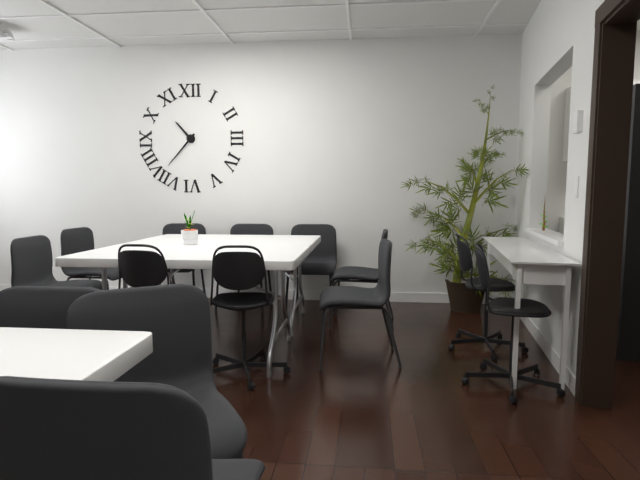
10:37
